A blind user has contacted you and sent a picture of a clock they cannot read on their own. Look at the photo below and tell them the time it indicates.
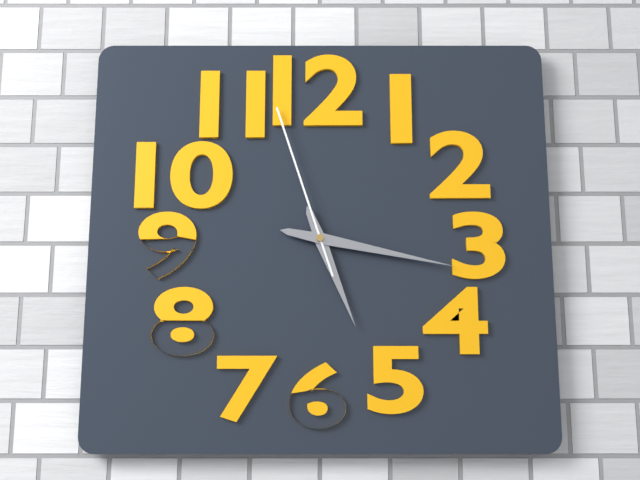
5:17:57
